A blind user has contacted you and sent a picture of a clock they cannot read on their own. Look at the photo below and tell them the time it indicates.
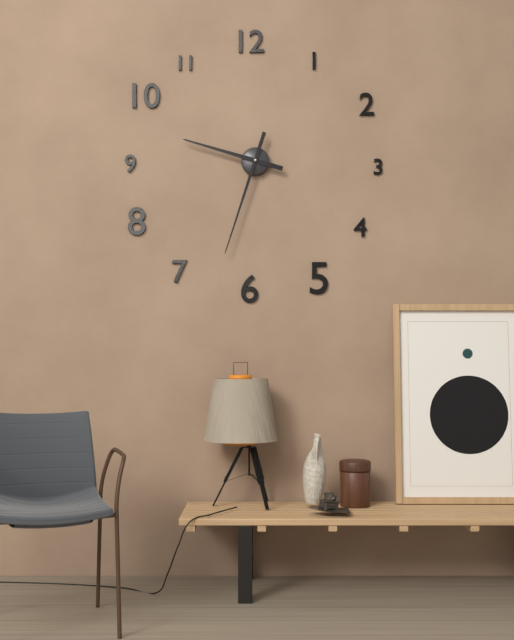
9:33
